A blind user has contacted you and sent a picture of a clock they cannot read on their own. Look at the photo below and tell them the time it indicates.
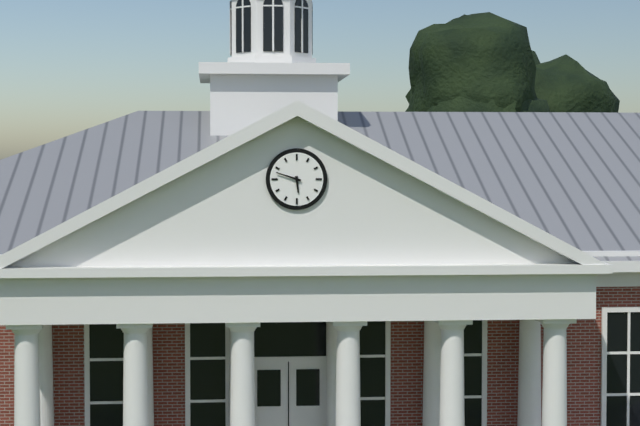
5:48
